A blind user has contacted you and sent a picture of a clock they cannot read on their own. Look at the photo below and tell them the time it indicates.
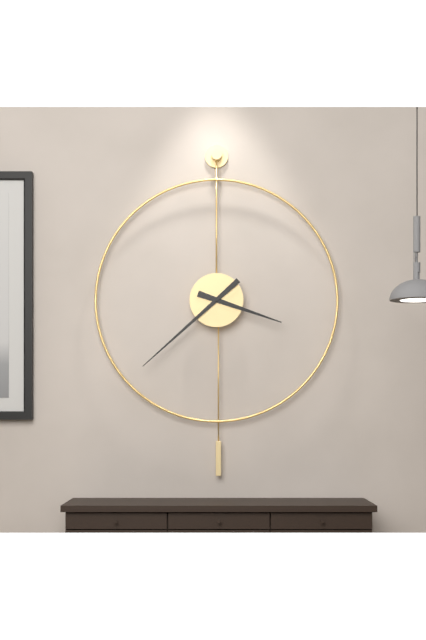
3:38
